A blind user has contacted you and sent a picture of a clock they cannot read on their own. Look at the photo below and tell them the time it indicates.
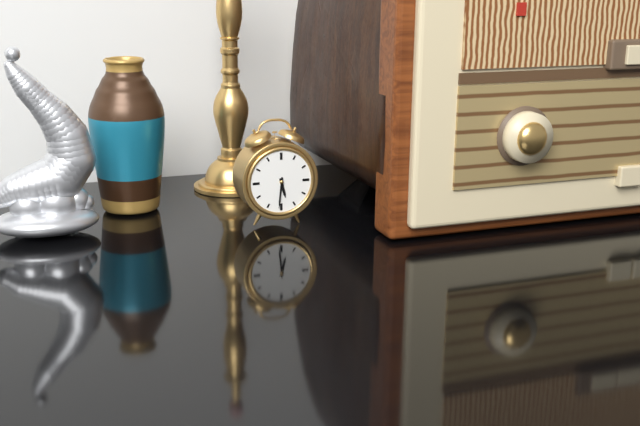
5:31
